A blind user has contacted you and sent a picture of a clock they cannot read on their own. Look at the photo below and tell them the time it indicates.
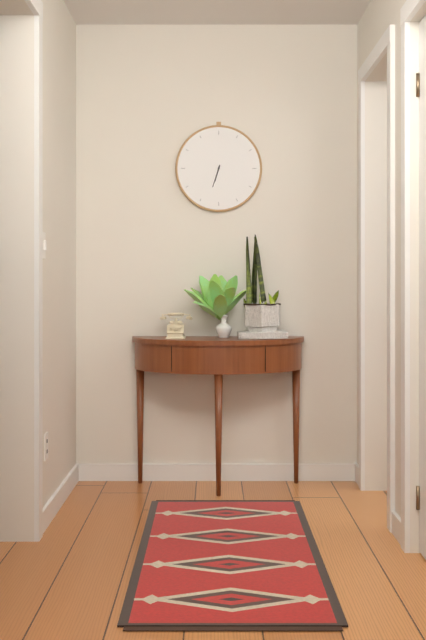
6:33
